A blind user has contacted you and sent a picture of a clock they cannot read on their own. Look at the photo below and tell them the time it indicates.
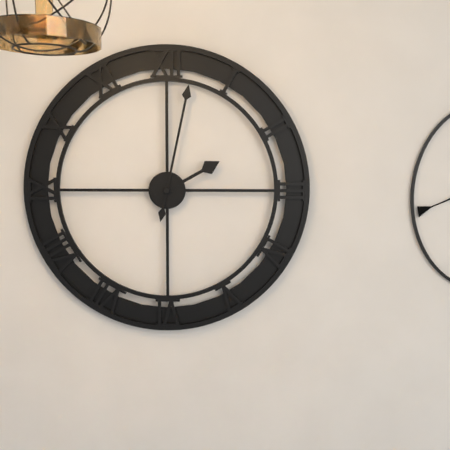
2:02
